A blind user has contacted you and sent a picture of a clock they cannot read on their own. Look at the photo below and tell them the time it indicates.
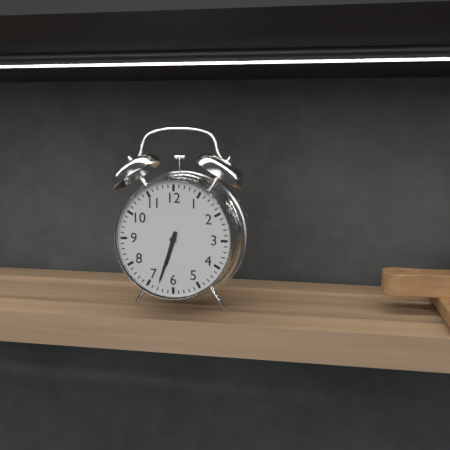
6:33
